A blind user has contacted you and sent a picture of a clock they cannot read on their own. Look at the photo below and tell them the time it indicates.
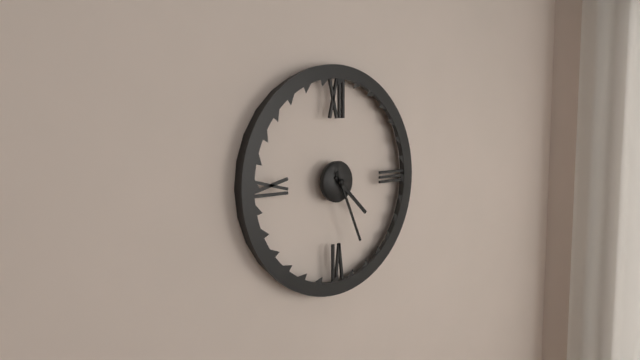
4:26
